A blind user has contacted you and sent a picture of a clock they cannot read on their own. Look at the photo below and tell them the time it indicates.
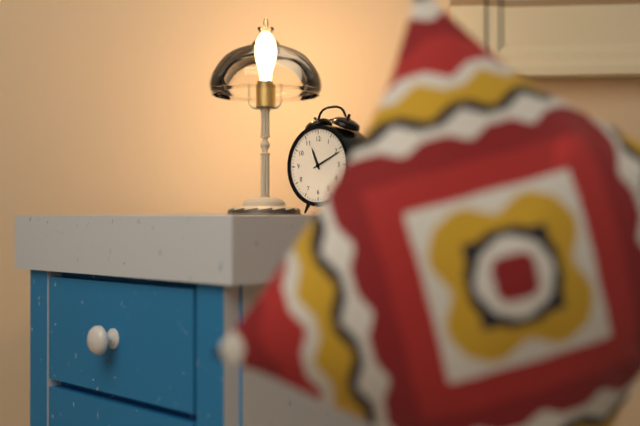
11:11
